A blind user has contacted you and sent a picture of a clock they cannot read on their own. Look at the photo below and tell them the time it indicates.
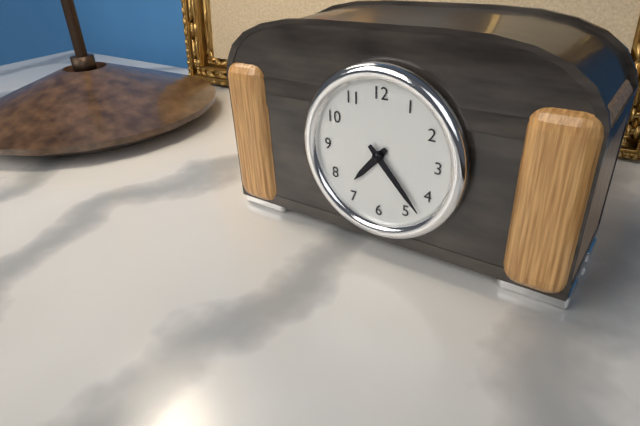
7:23
